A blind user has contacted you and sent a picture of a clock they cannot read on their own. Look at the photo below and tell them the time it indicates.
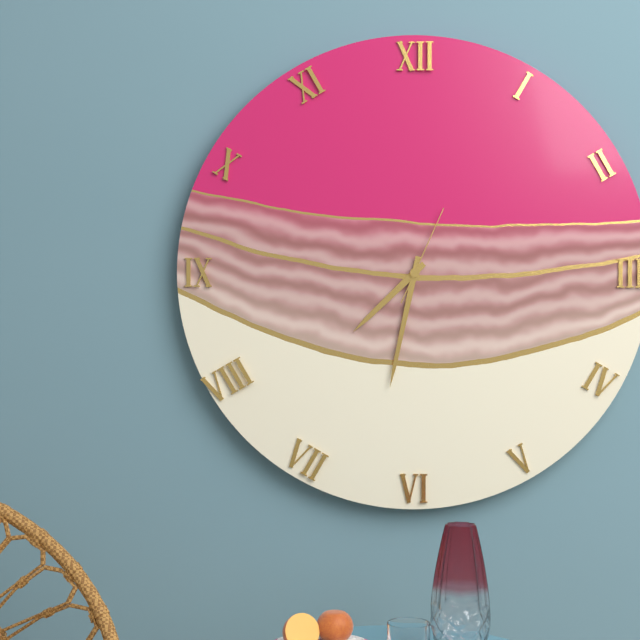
7:32:04
